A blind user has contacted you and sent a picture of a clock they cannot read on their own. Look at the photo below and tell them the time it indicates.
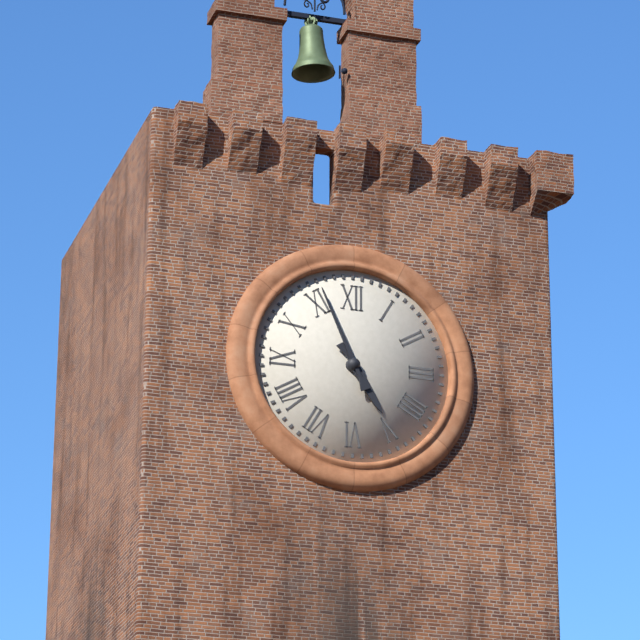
4:56
